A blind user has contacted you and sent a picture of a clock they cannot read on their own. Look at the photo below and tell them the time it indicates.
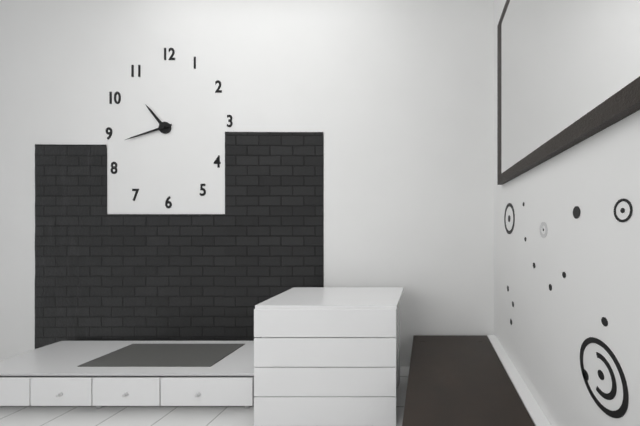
10:42
